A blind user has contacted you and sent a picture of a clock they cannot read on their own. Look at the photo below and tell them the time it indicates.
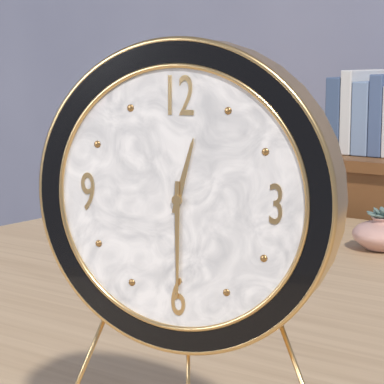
12:30
